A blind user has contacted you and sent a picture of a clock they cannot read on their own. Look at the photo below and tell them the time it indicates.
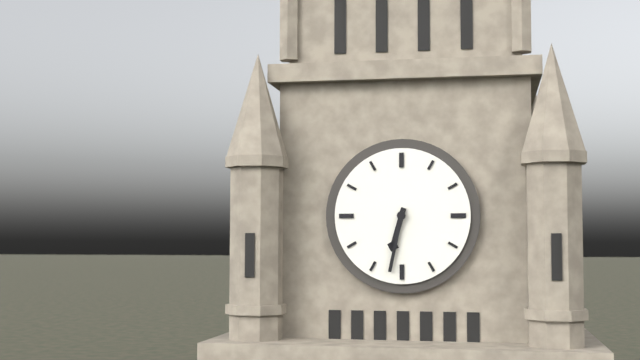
6:32
